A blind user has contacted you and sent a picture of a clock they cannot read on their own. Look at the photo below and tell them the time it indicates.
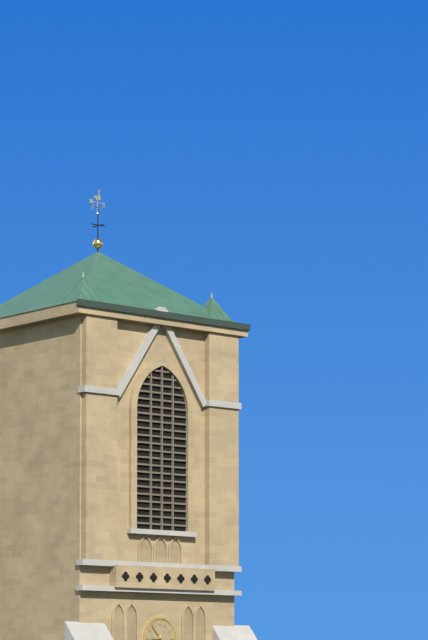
8:53
